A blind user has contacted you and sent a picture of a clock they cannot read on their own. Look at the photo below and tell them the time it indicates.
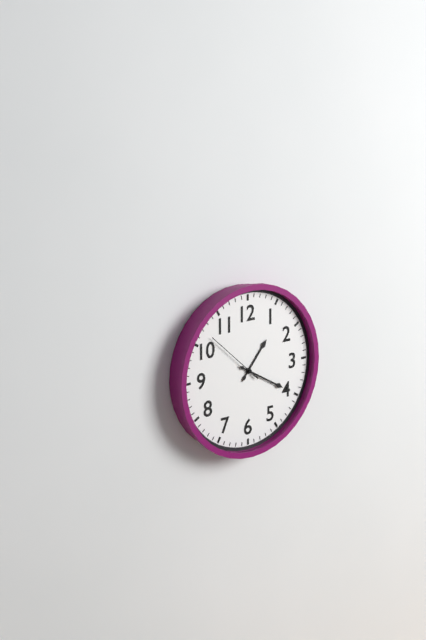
1:20:52
